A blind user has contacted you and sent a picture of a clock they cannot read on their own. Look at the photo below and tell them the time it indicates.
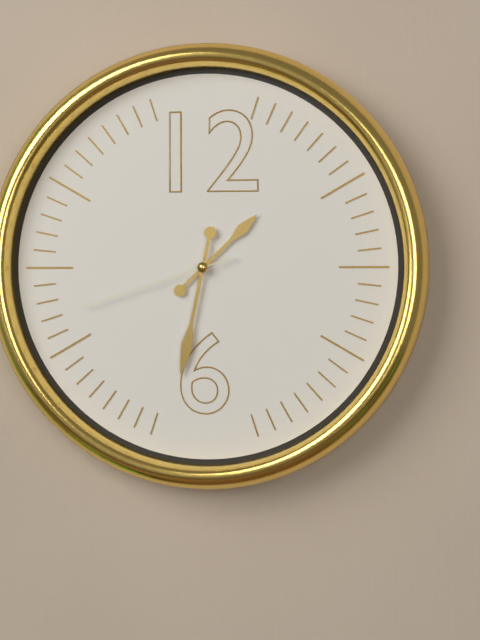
1:32:42
